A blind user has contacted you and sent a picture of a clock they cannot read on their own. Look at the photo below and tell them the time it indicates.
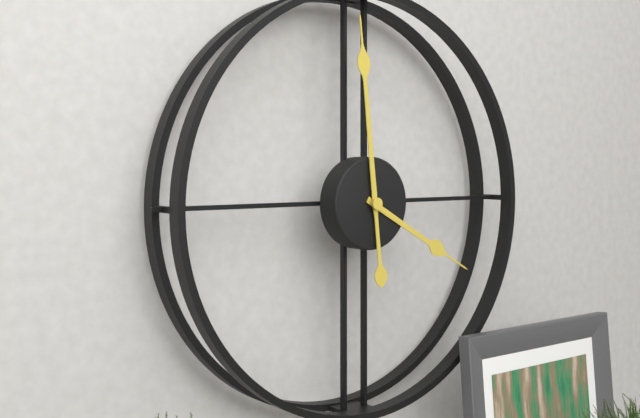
3:59
